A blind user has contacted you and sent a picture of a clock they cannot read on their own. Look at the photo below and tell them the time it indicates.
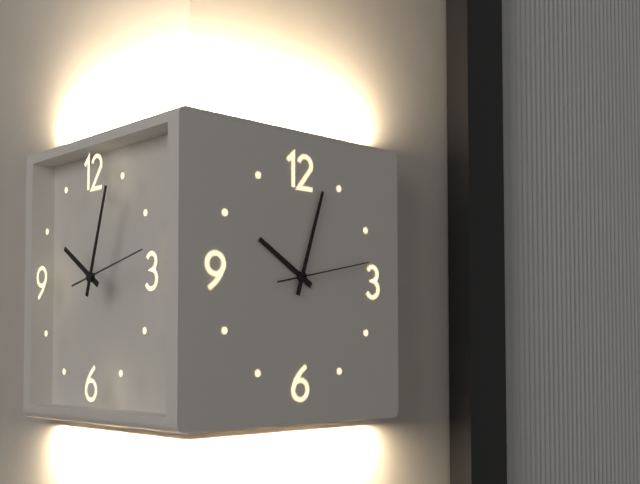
10:03:13
